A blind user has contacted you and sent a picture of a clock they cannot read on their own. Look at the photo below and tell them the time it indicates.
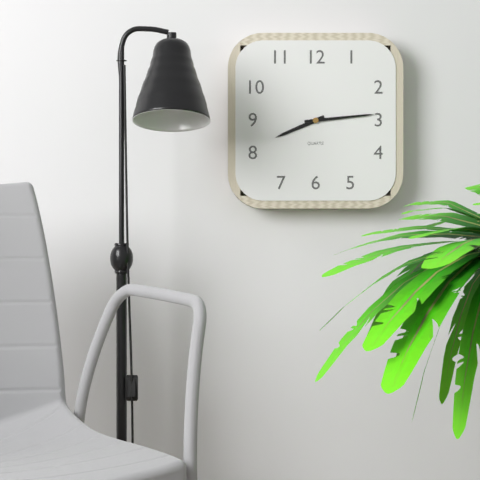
8:14
